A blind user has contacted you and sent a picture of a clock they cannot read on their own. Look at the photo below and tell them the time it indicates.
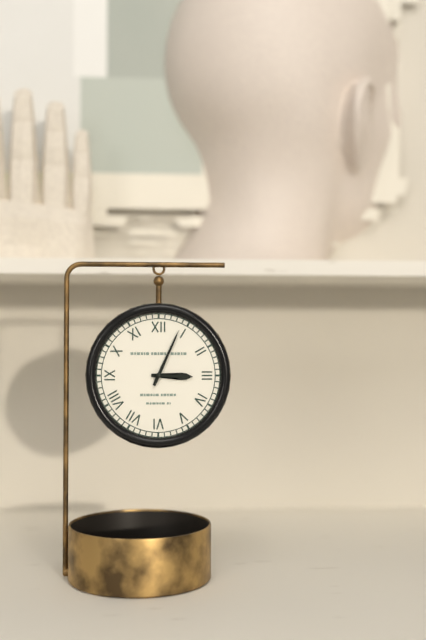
3:04
